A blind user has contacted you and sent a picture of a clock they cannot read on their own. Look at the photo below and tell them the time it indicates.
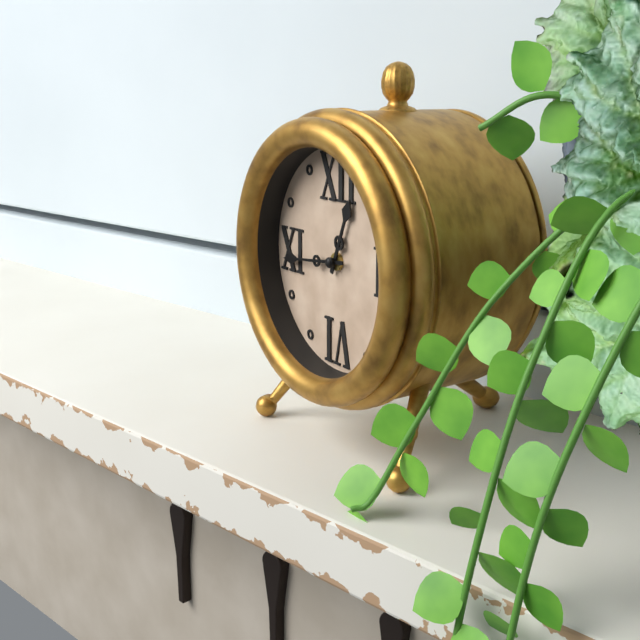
12:44
